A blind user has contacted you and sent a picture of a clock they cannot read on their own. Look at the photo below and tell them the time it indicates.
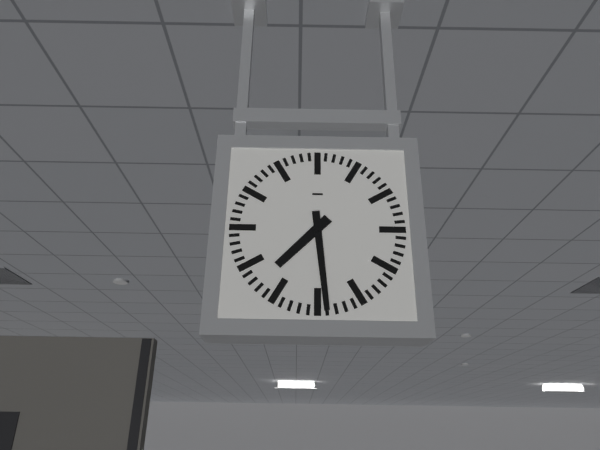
7:29
